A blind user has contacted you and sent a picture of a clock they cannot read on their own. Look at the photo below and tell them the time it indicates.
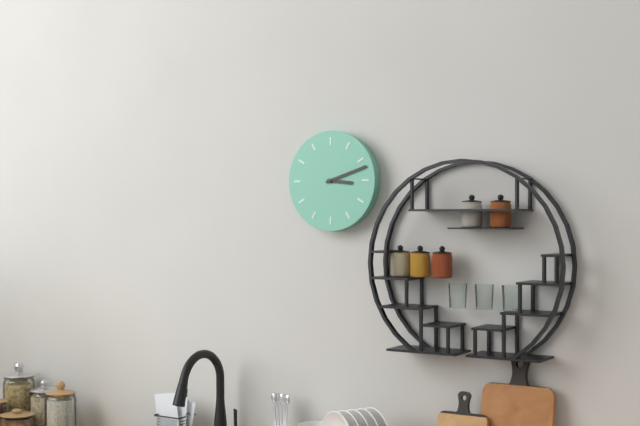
3:12
